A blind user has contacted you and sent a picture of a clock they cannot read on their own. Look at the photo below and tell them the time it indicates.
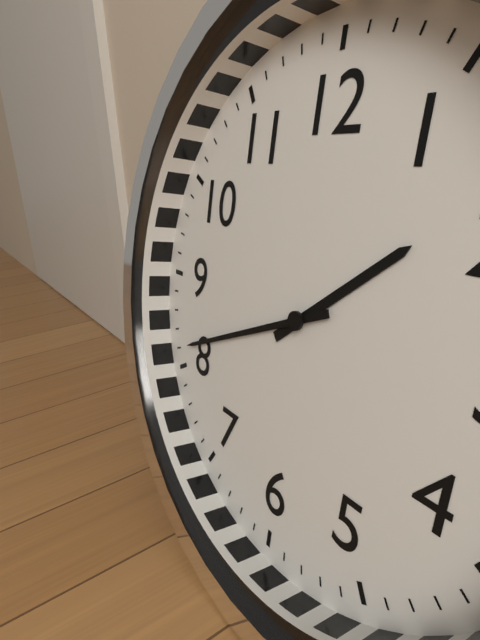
1:41
